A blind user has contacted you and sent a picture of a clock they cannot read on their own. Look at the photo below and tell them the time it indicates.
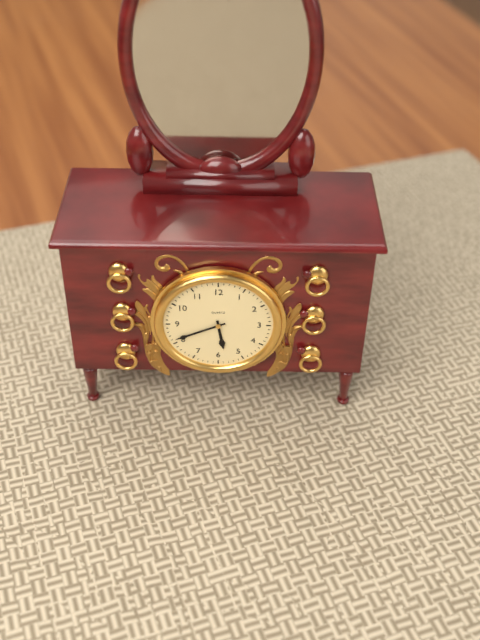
5:41
